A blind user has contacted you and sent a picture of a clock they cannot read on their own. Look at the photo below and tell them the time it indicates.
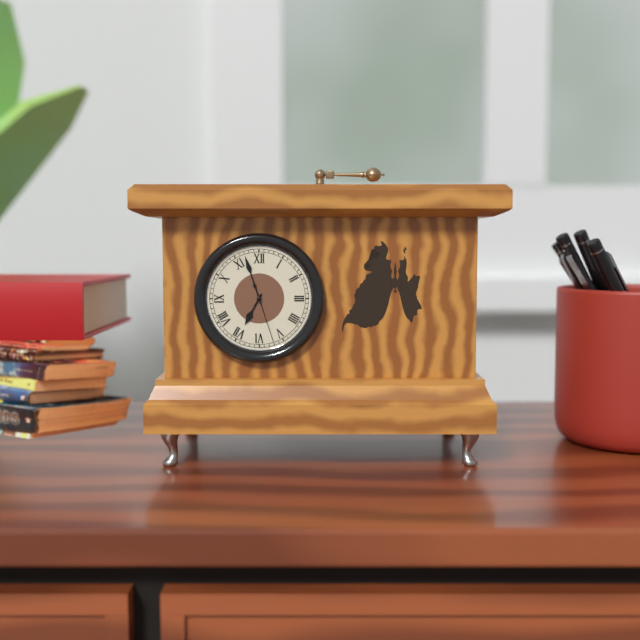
6:57:27
